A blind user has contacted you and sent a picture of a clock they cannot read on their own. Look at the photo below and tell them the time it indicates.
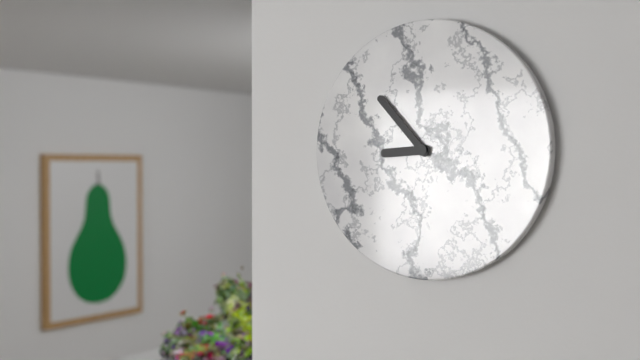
8:53
